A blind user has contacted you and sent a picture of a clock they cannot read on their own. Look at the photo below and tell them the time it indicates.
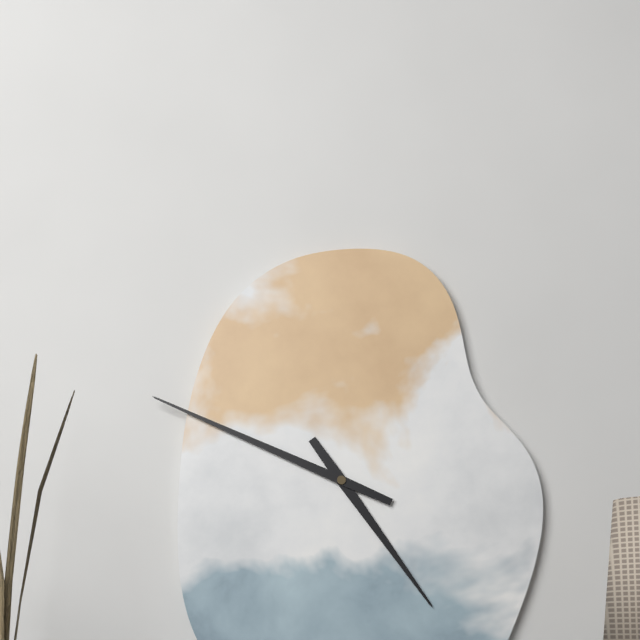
4:49
